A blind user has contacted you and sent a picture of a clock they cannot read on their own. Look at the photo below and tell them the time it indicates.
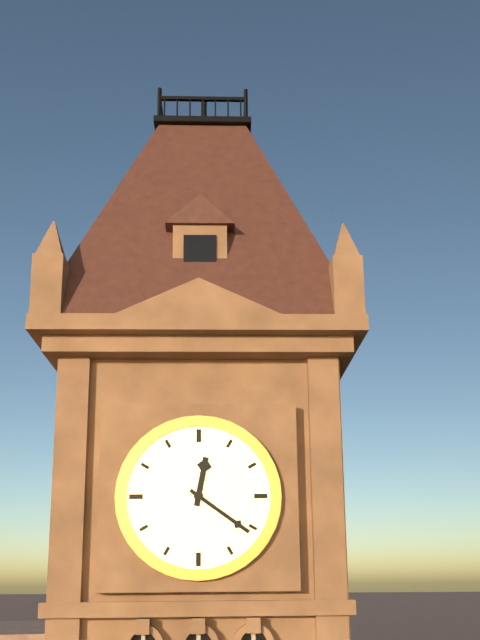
12:21
